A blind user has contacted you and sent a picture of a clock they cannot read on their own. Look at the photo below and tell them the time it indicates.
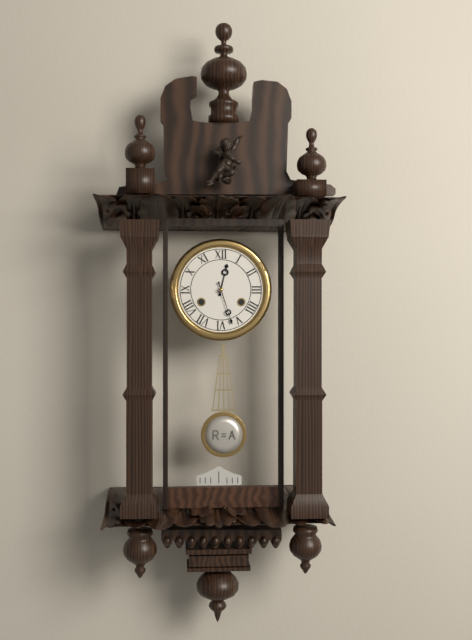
12:27
